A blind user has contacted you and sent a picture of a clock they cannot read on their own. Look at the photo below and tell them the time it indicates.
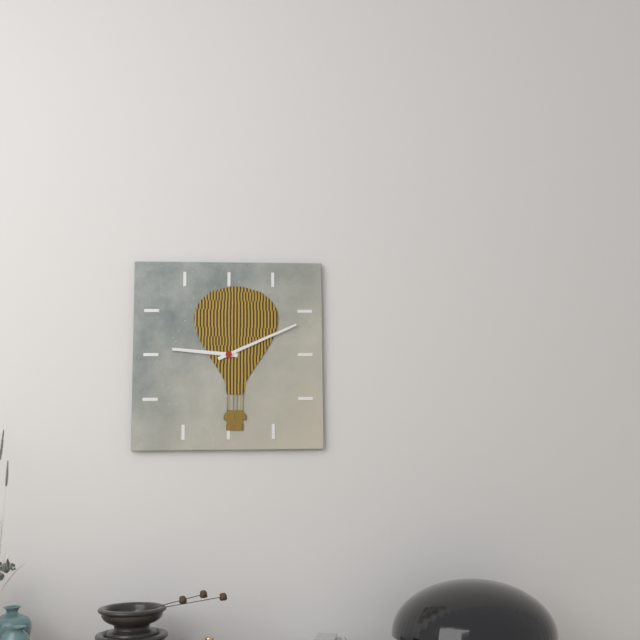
9:11
